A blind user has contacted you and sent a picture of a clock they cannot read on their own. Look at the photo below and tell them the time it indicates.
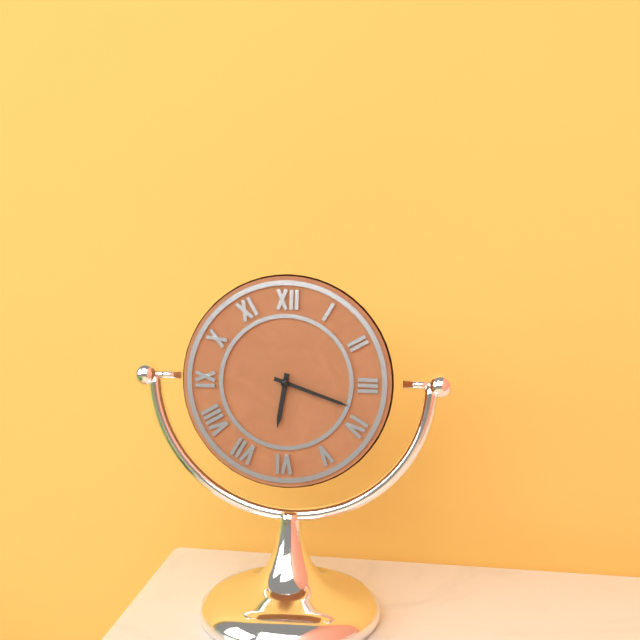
6:18
